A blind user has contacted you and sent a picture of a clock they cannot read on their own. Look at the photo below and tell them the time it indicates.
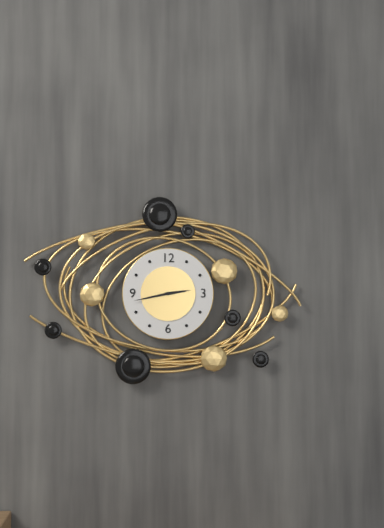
2:43
